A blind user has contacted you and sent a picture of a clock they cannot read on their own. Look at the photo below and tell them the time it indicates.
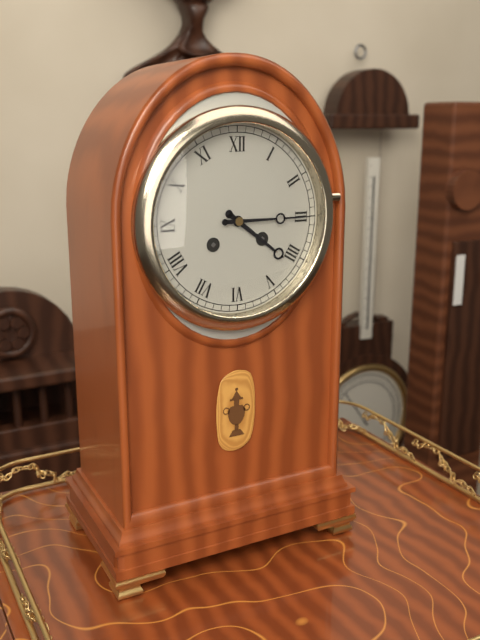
4:15
